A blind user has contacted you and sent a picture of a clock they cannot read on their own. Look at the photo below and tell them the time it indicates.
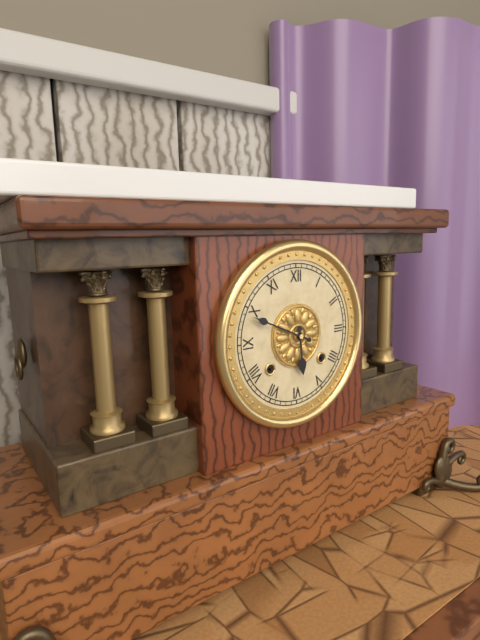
5:49
